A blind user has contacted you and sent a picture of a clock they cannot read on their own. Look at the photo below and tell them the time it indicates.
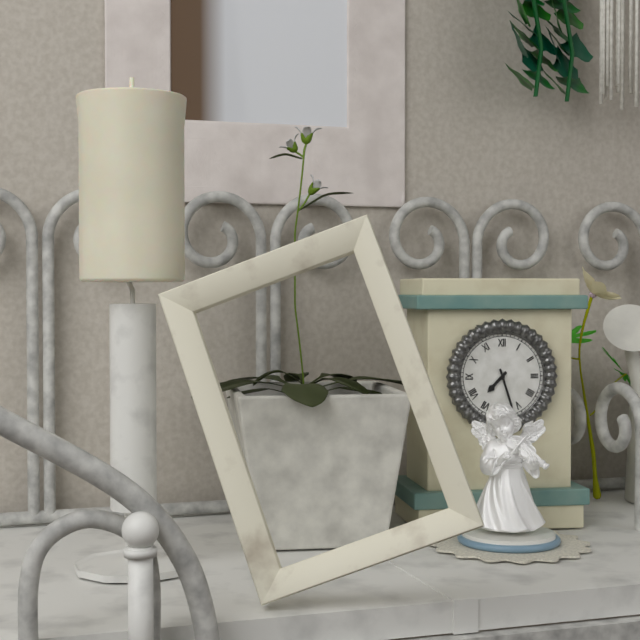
7:27
